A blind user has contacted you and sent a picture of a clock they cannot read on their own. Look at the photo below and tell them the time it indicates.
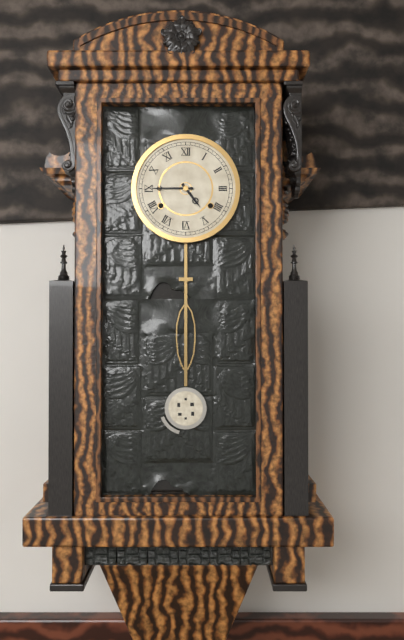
4:45
